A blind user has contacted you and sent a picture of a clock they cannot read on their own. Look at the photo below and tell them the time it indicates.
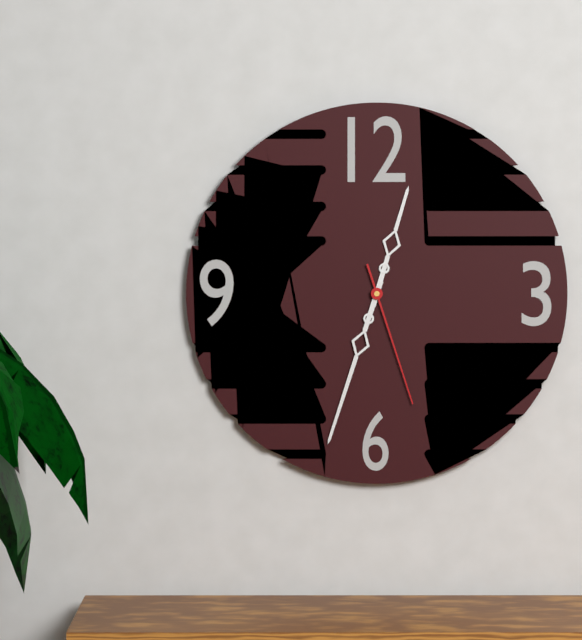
12:33:27
